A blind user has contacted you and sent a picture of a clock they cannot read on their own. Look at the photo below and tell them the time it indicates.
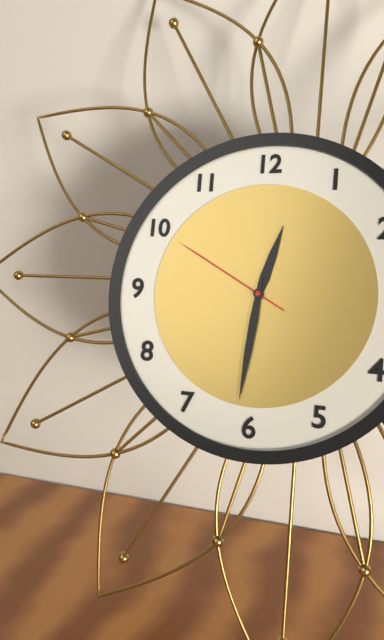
12:31:50
